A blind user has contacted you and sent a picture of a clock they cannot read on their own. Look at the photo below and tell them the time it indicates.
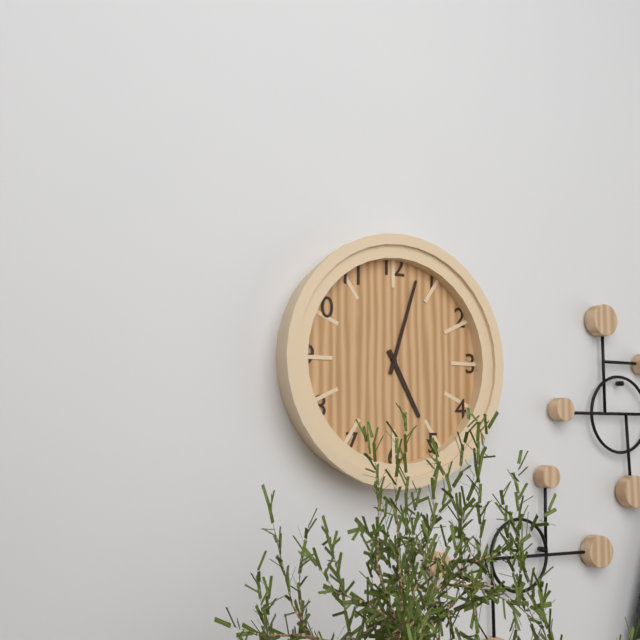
5:03
